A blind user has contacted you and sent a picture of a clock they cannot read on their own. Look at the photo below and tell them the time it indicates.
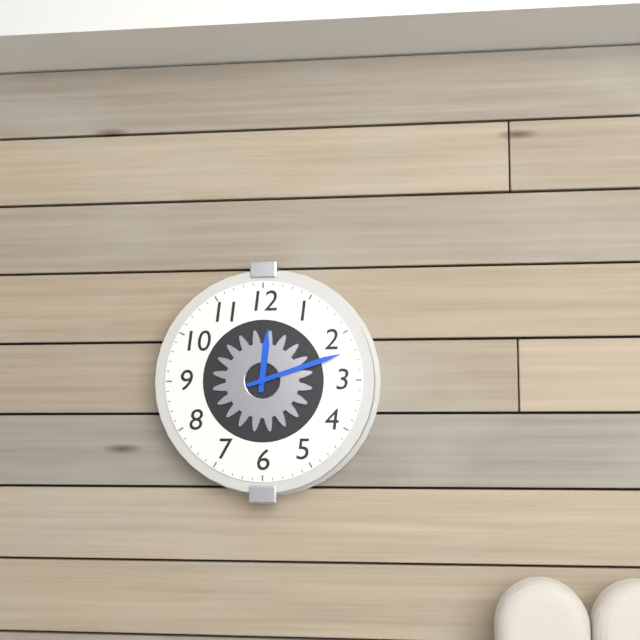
12:12
